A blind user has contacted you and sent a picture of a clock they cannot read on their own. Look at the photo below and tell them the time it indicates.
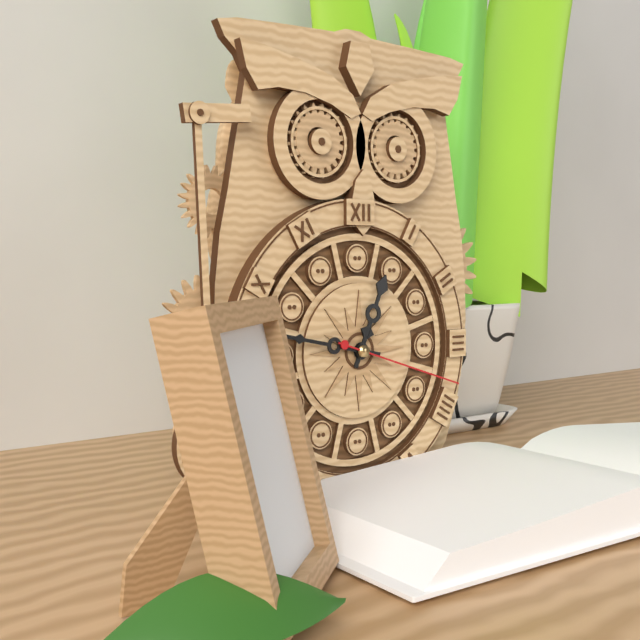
12:47:18
